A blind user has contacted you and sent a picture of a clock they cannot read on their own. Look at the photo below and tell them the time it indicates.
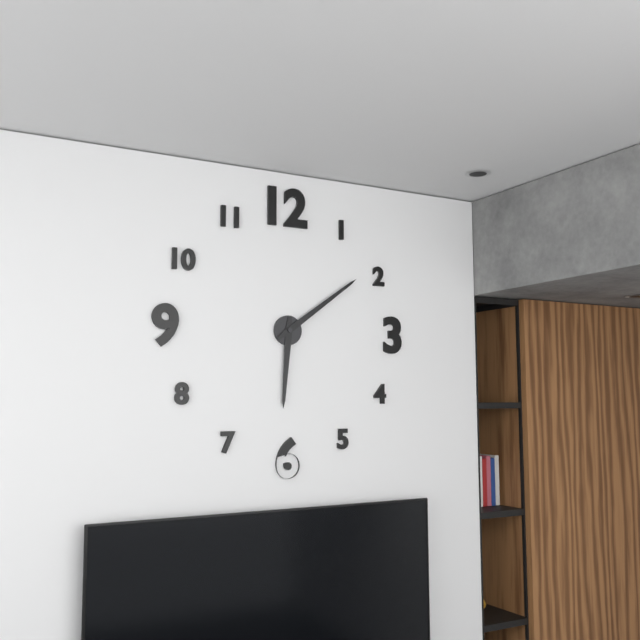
6:09
